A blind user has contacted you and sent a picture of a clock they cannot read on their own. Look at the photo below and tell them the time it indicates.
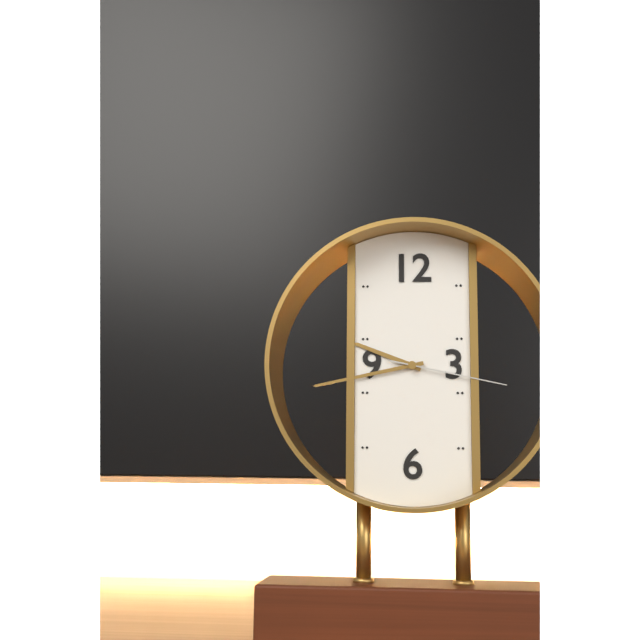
9:43:17
